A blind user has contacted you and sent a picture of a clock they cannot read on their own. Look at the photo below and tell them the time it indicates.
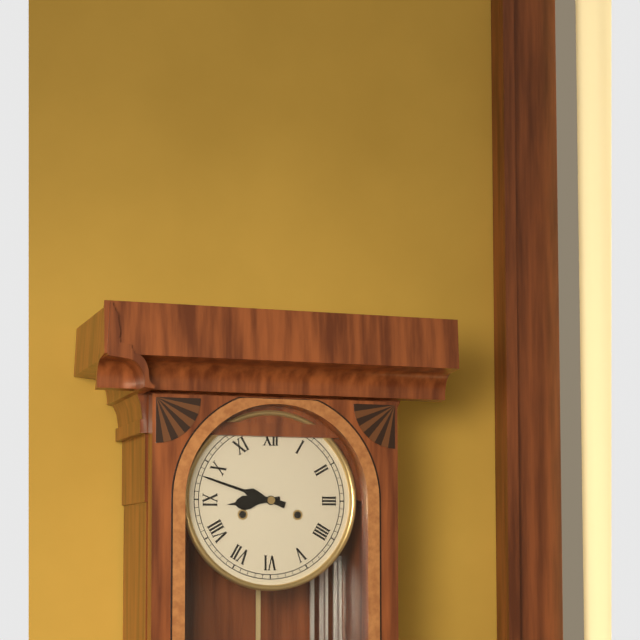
8:48
